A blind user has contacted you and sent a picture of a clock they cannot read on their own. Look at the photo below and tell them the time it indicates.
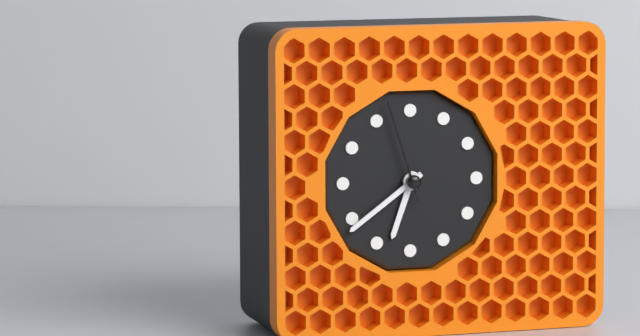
6:39:57
